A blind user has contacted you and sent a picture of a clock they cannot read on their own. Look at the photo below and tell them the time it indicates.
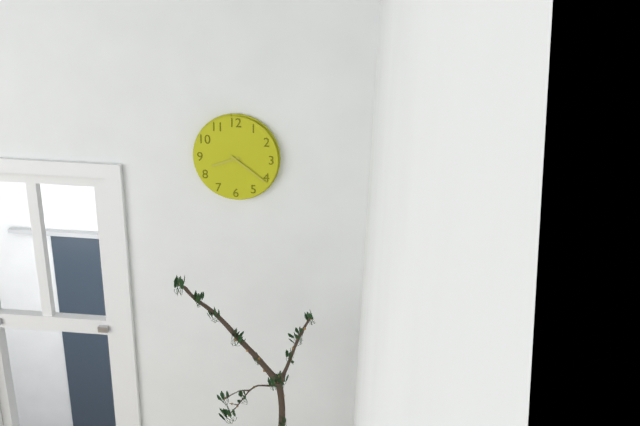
8:21
